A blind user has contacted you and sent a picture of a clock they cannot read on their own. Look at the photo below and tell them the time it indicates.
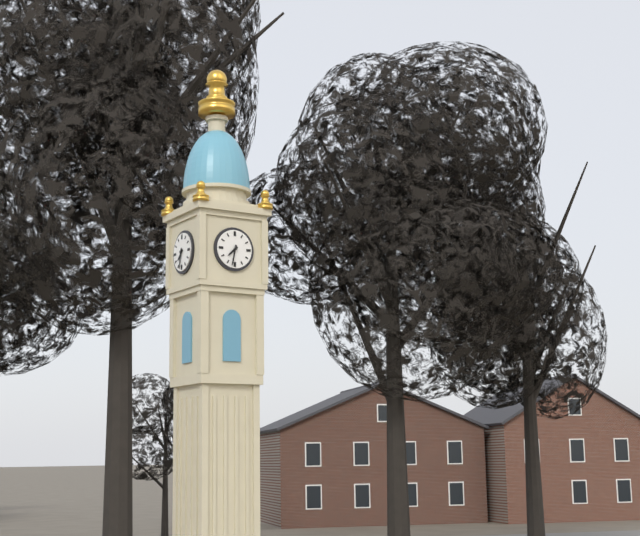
7:32
